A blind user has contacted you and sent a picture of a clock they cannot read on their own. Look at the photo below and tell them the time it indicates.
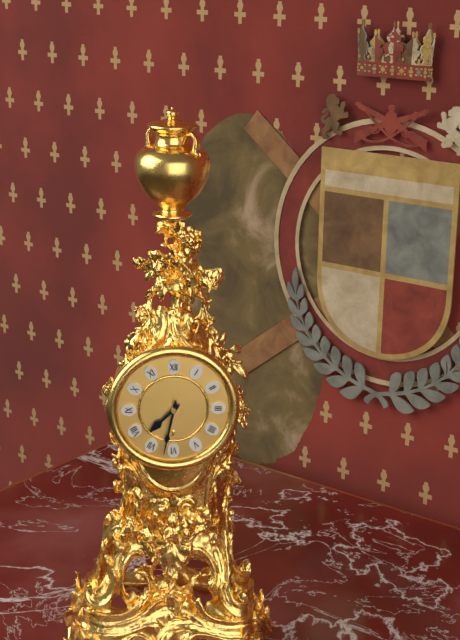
7:32
